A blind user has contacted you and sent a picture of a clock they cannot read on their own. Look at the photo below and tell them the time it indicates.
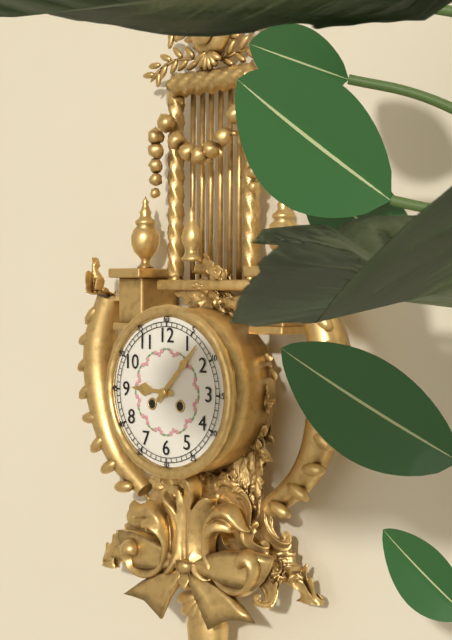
9:07
